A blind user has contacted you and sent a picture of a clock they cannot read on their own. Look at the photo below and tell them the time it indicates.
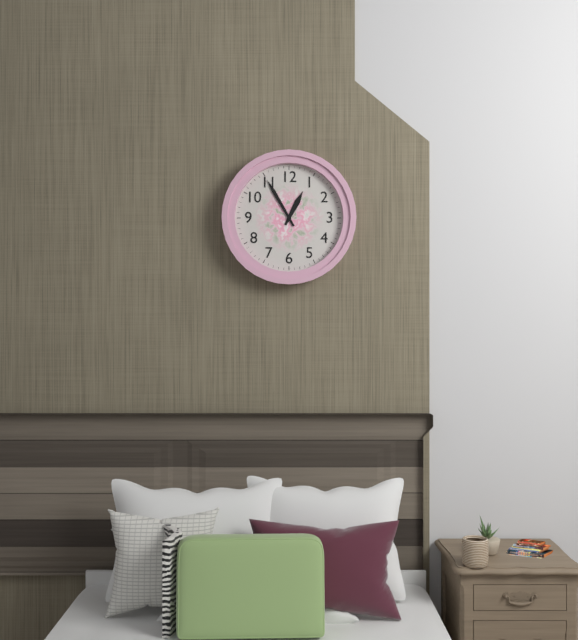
12:55
